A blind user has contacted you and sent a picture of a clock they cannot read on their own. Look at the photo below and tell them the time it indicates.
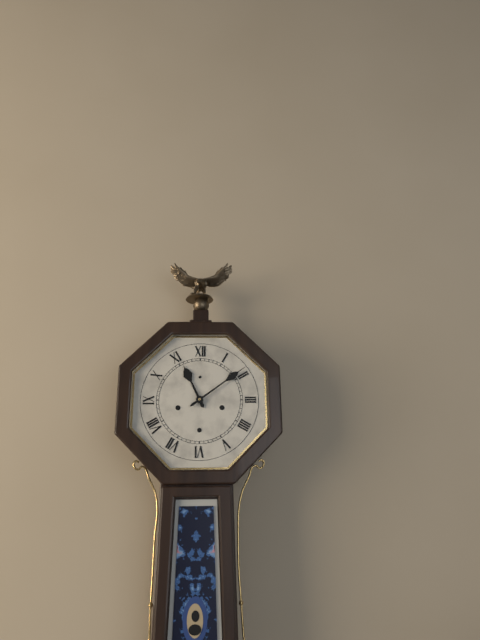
11:09
